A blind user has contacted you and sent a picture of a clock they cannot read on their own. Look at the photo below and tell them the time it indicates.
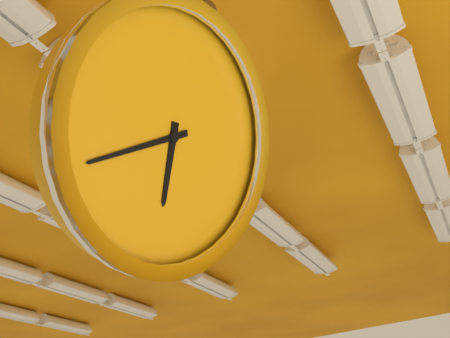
5:39
